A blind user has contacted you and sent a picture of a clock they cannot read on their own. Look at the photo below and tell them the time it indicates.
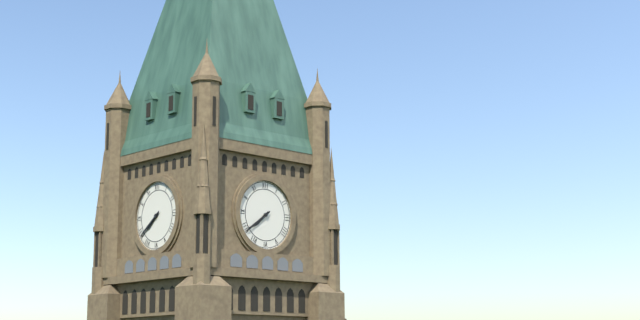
7:39
